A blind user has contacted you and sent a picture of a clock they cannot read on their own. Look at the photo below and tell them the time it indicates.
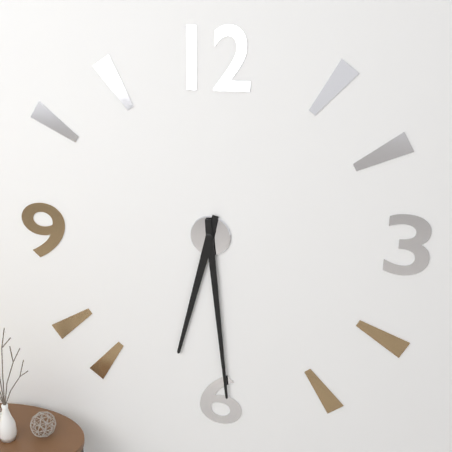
6:29
